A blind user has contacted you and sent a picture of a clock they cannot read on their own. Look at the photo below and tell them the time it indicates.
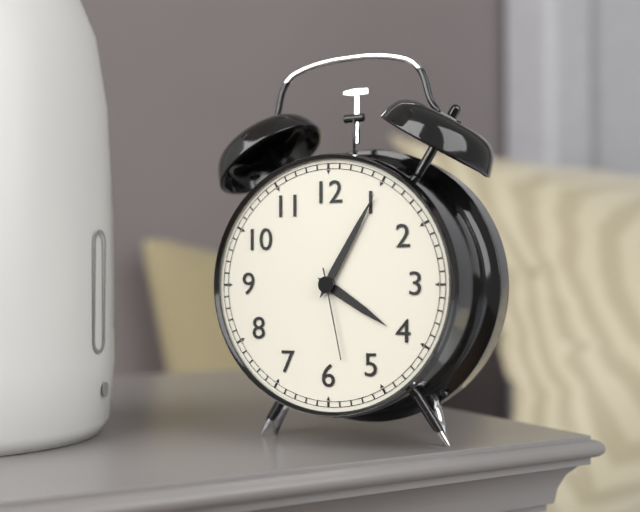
4:05:28
